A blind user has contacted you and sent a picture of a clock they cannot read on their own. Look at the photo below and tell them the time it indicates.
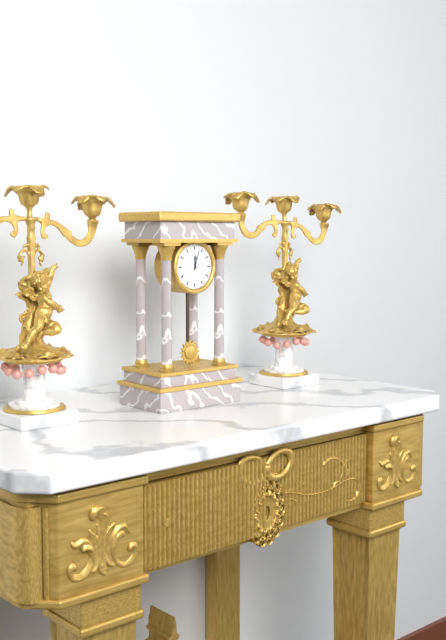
12:03
